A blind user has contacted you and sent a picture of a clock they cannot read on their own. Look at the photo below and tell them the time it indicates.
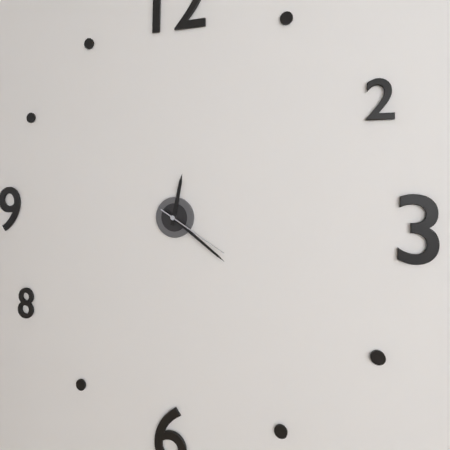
12:21:20
